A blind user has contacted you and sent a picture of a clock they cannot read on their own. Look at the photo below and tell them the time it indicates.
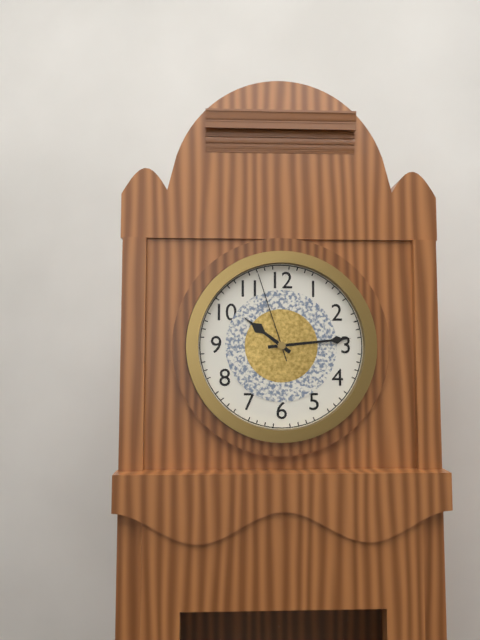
10:14:57
